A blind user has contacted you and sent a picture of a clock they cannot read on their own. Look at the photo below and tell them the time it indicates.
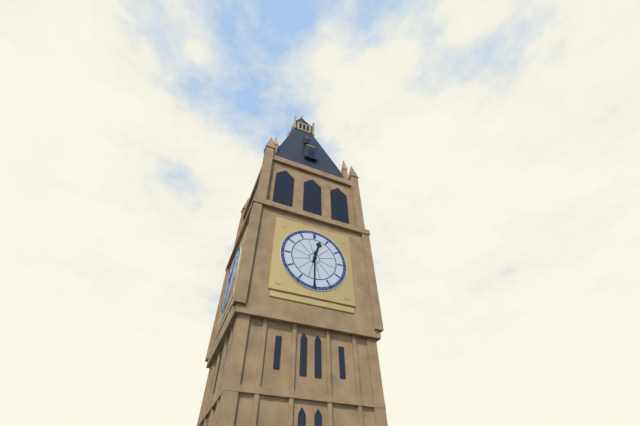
12:30
